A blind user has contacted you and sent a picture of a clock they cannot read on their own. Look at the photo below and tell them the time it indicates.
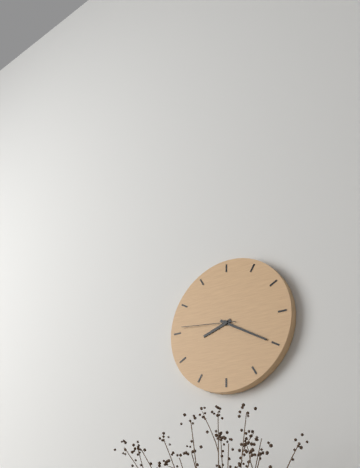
8:20:46
